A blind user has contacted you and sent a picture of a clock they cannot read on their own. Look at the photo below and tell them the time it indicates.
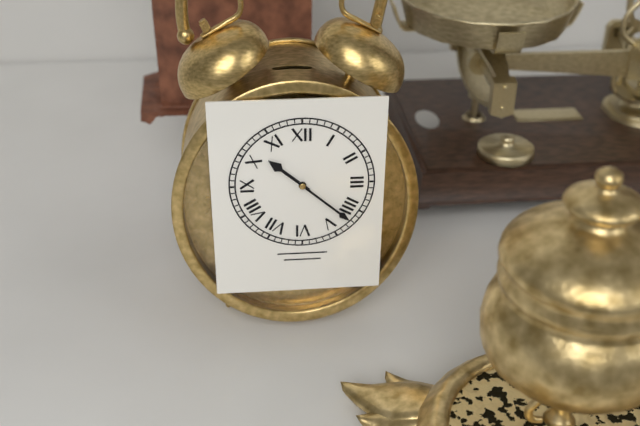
10:22
